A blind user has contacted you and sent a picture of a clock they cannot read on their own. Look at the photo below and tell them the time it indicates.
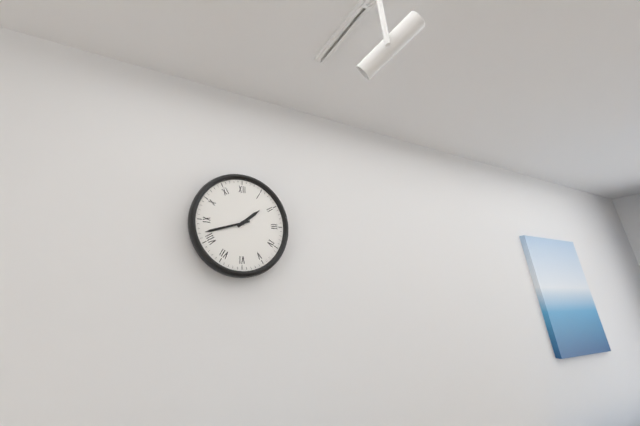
1:42
